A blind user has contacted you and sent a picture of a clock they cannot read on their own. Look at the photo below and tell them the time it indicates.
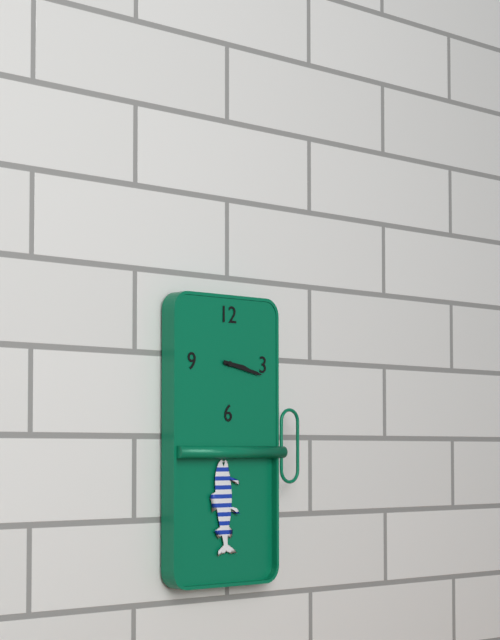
3:17
